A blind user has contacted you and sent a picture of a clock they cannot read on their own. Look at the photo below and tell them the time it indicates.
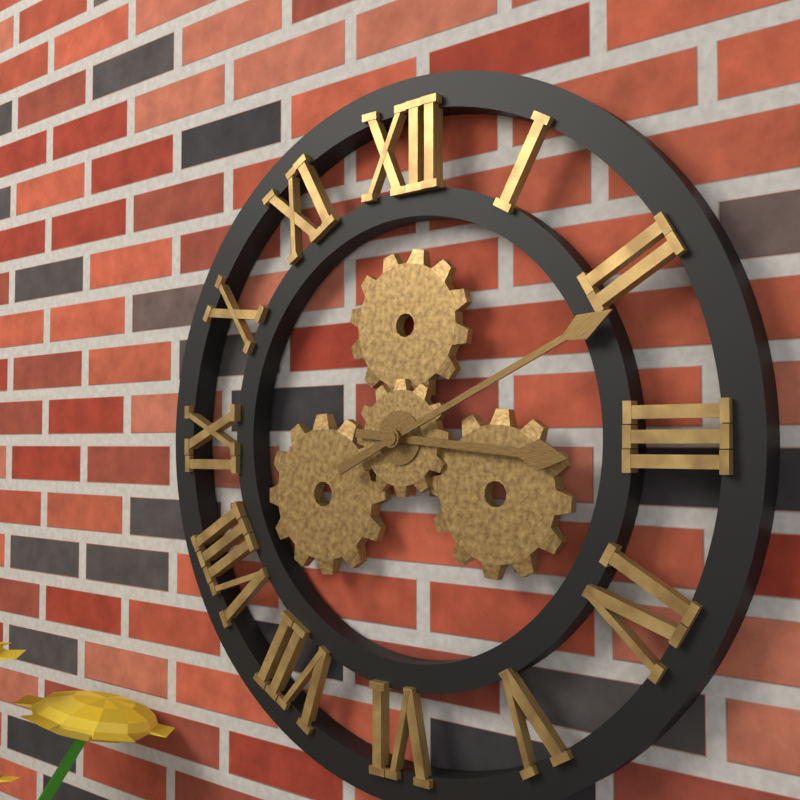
3:11
